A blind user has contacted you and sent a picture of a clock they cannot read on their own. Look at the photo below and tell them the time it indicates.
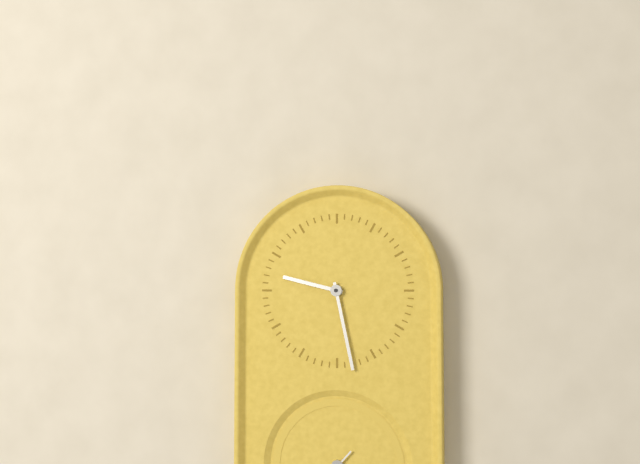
9:28
